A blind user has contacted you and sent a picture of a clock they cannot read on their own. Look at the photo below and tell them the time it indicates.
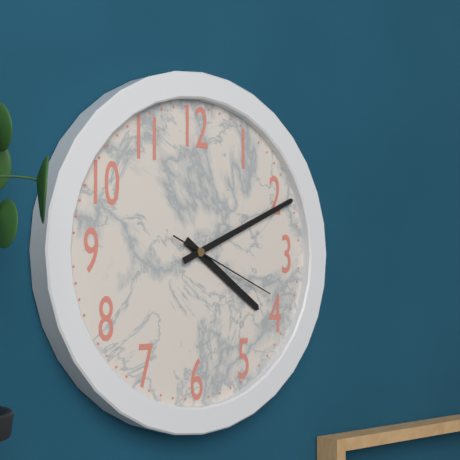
4:11:19
